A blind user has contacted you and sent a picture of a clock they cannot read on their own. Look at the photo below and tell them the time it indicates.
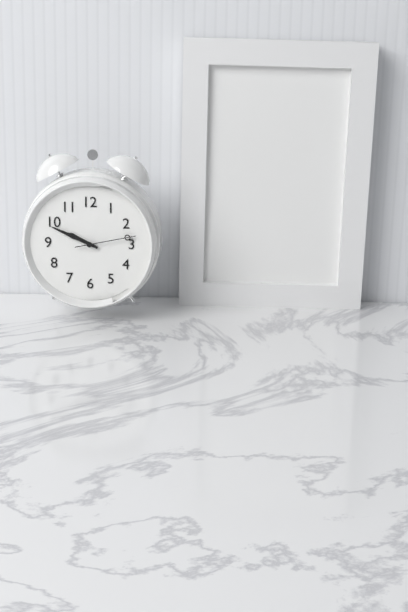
9:49:13
